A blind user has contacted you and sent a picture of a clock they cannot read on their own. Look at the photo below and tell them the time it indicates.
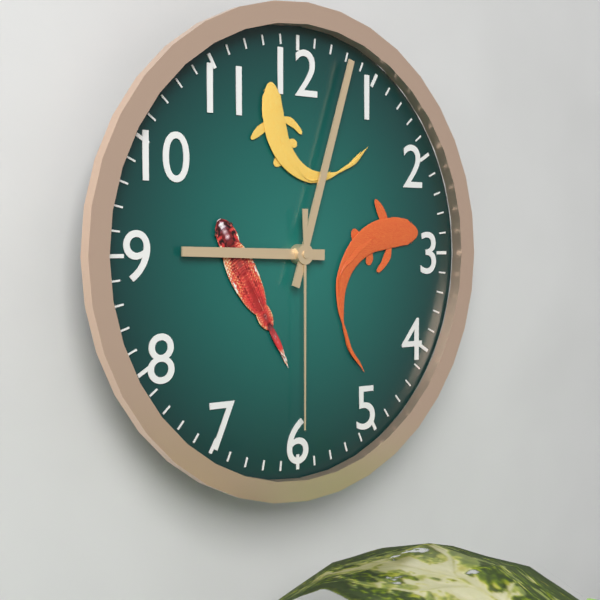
9:03:30
